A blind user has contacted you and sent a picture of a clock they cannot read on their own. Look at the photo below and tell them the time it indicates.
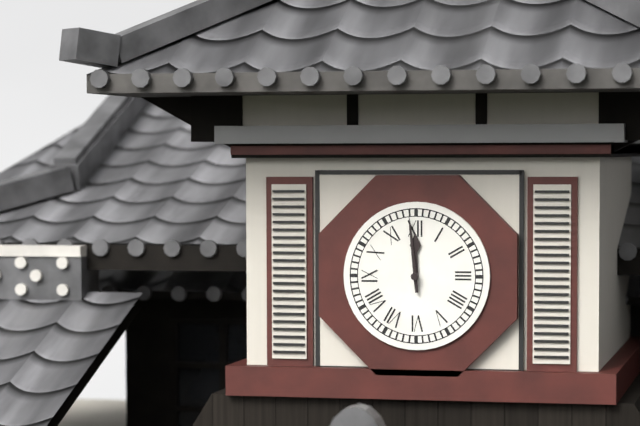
11:59
